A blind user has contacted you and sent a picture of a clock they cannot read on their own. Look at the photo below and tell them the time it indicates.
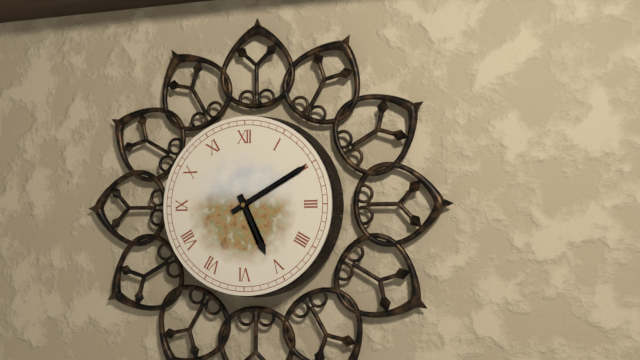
5:10
